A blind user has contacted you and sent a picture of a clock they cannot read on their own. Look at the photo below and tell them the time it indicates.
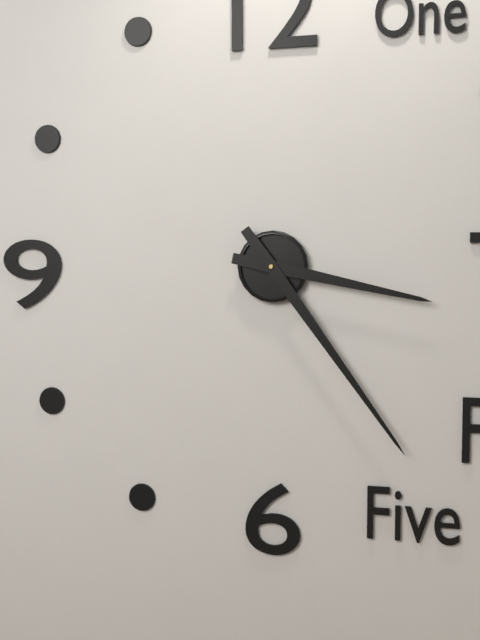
3:24
